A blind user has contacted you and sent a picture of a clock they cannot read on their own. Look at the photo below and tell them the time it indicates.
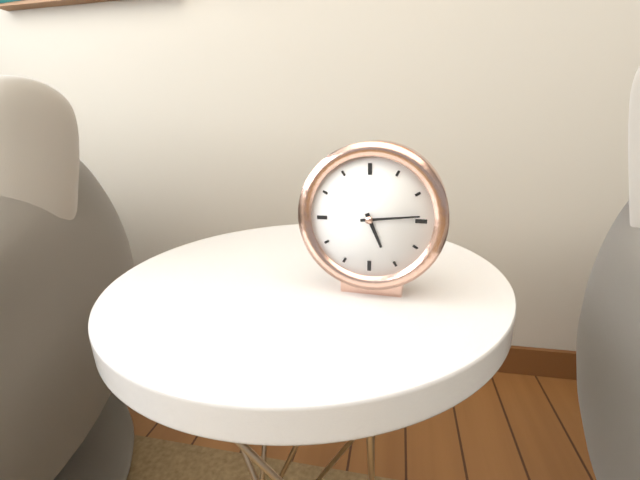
5:14
